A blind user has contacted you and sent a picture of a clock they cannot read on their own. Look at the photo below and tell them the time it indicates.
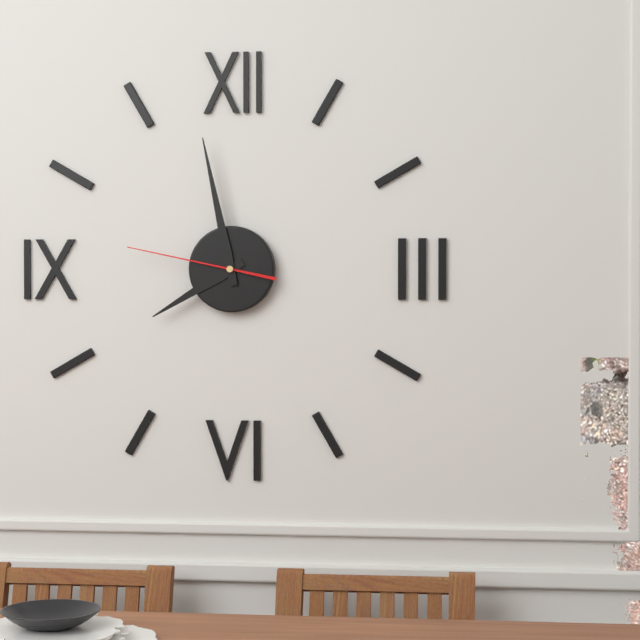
7:58:47
